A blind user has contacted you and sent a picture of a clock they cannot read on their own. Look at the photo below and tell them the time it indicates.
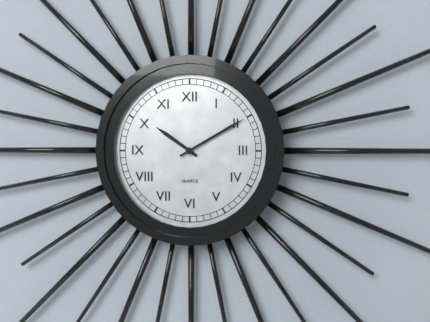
10:10
